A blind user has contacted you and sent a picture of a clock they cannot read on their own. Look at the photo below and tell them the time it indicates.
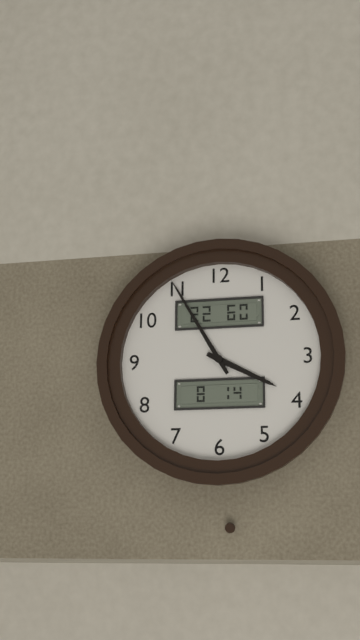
3:55
